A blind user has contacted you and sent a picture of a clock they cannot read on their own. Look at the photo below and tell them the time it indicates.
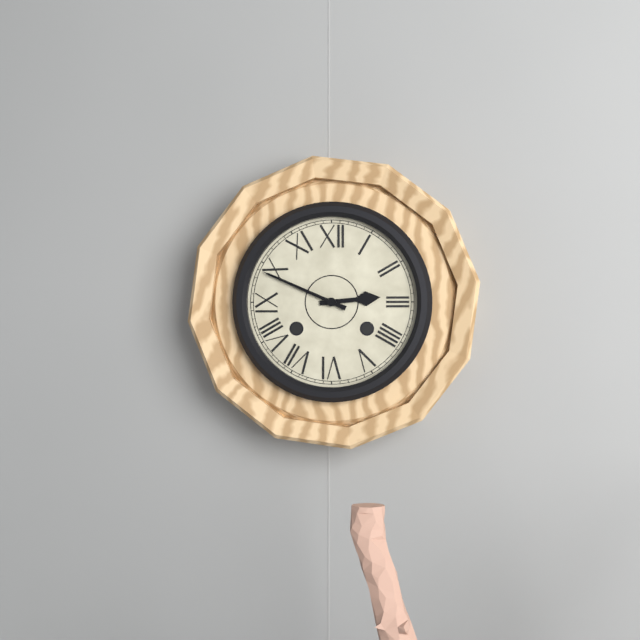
2:49
